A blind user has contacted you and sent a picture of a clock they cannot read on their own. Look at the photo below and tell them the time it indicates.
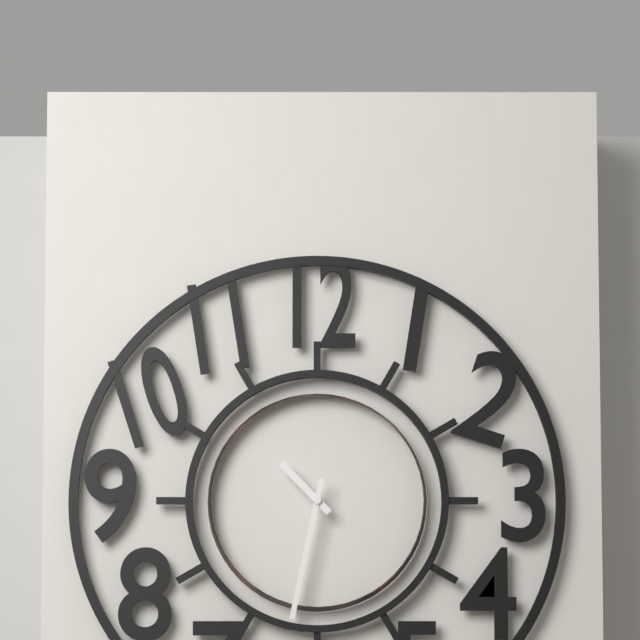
10:32
